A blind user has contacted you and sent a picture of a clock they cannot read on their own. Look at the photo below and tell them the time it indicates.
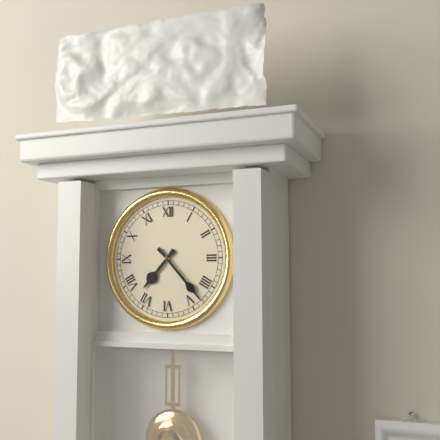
7:23
